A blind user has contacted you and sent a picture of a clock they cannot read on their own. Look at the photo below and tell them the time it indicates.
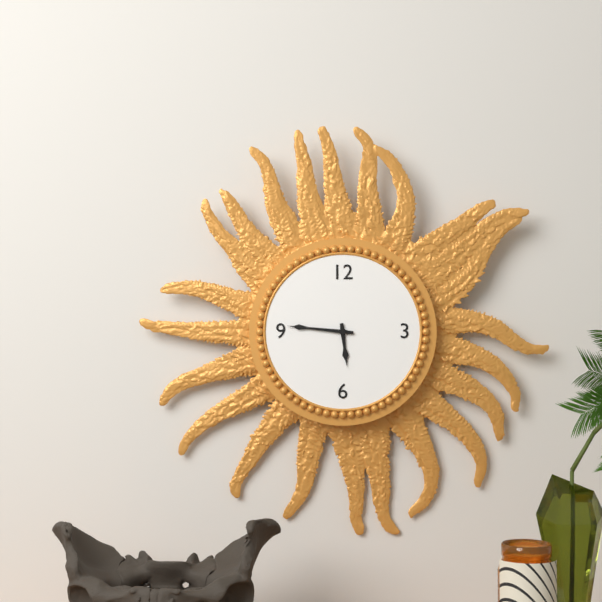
5:46
